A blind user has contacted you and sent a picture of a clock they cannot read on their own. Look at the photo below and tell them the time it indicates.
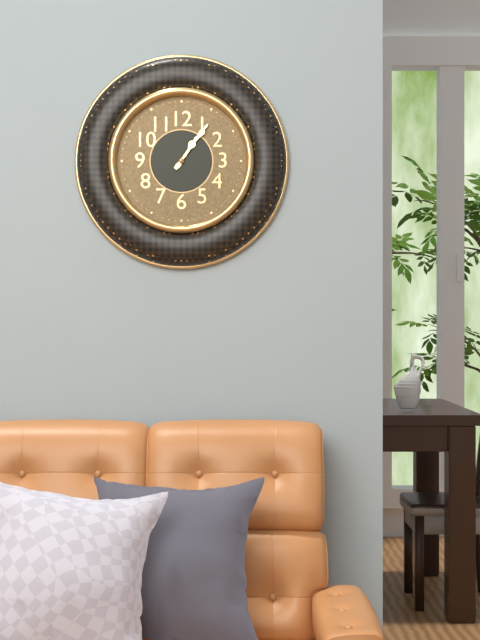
1:06
